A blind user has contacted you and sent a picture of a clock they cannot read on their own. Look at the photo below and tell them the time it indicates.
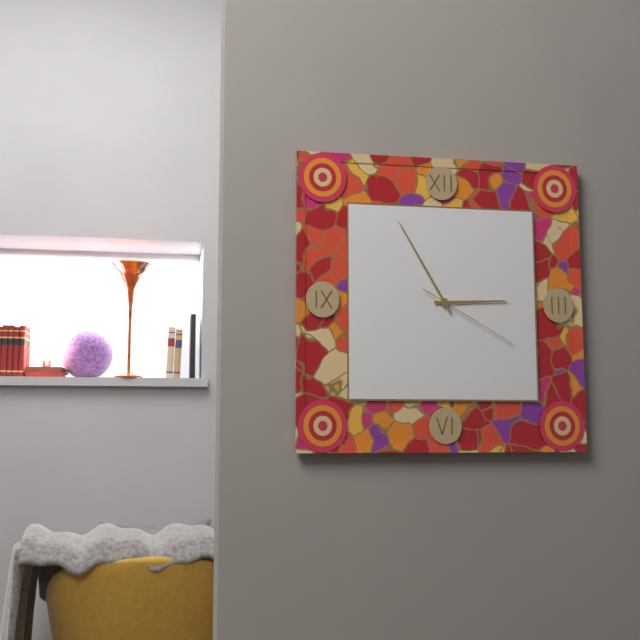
2:55:20
